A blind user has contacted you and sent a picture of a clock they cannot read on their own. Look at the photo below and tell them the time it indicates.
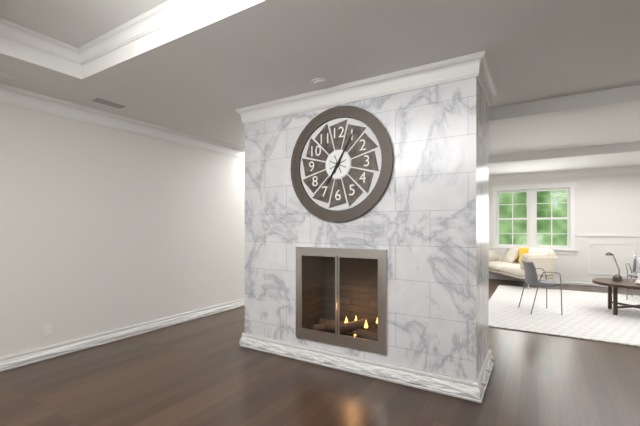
7:05
